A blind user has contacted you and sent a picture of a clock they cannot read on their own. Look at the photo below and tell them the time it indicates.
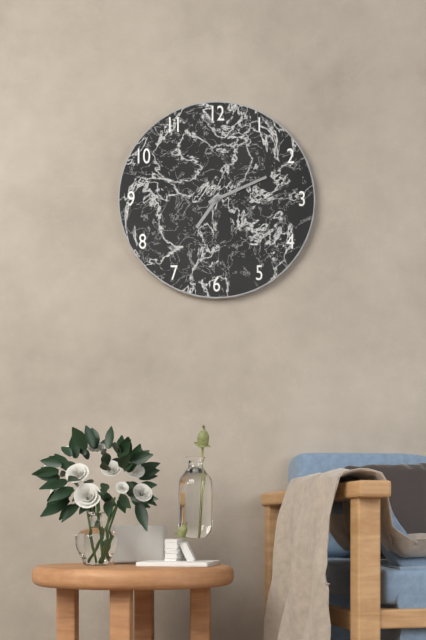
7:11
